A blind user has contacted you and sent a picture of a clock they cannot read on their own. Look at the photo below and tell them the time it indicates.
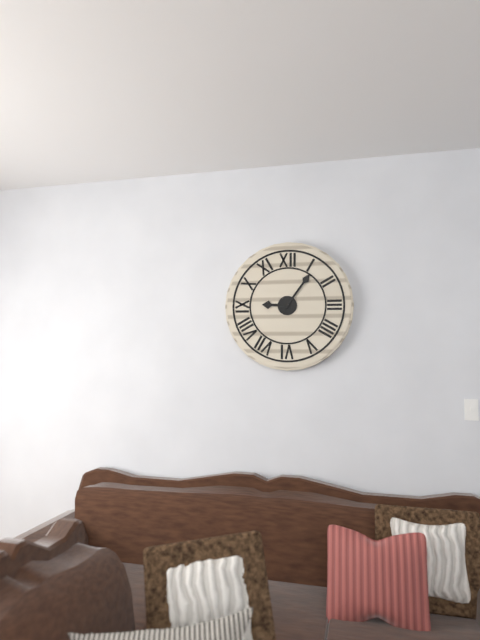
9:06
